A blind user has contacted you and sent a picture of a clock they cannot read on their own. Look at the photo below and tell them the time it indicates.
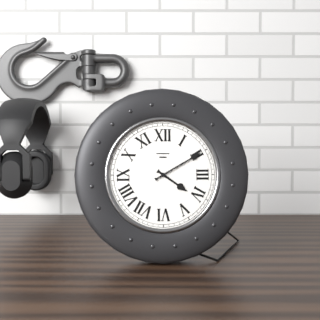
4:10
